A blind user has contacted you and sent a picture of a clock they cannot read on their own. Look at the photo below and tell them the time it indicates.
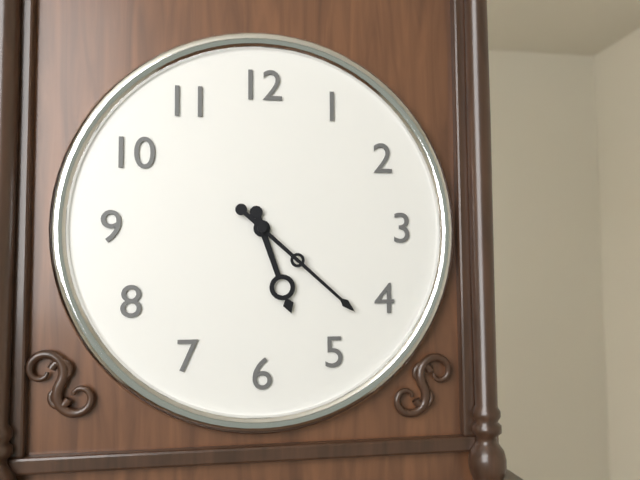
5:22
